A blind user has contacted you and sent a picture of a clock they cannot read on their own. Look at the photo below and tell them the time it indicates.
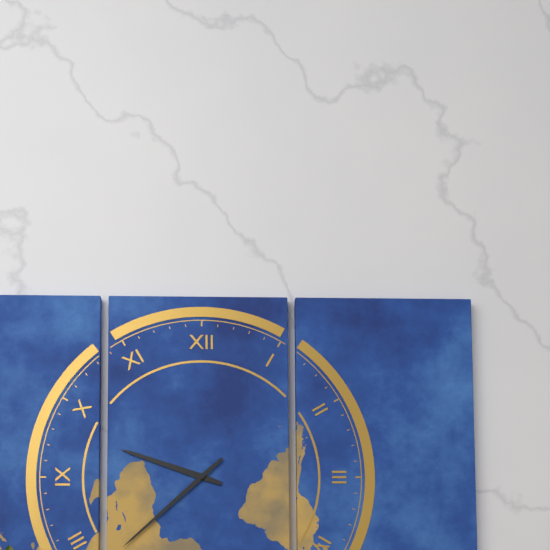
9:38
